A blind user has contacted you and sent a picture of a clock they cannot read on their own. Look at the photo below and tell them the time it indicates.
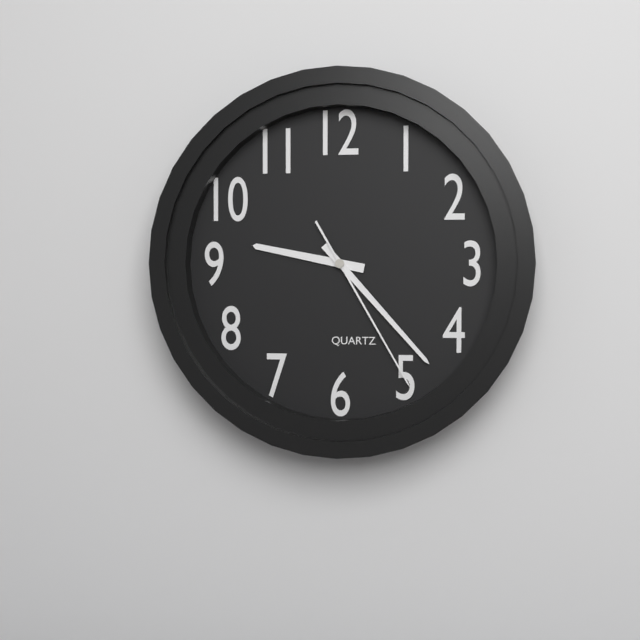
9:23:25
